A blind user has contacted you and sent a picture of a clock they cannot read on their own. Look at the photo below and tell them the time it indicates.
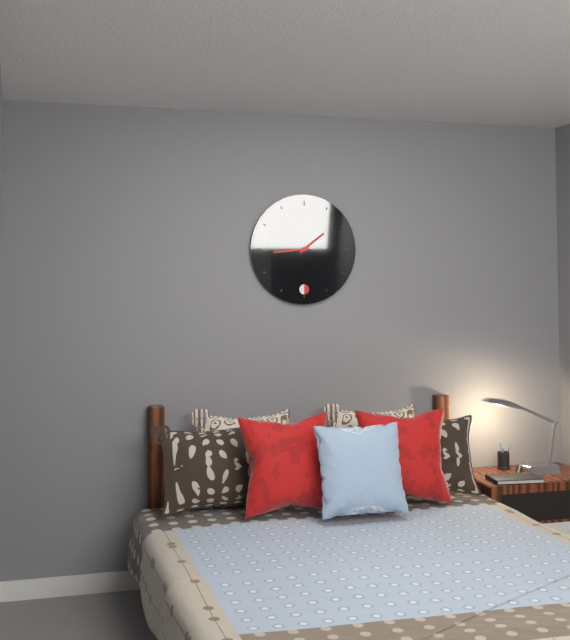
1:44
